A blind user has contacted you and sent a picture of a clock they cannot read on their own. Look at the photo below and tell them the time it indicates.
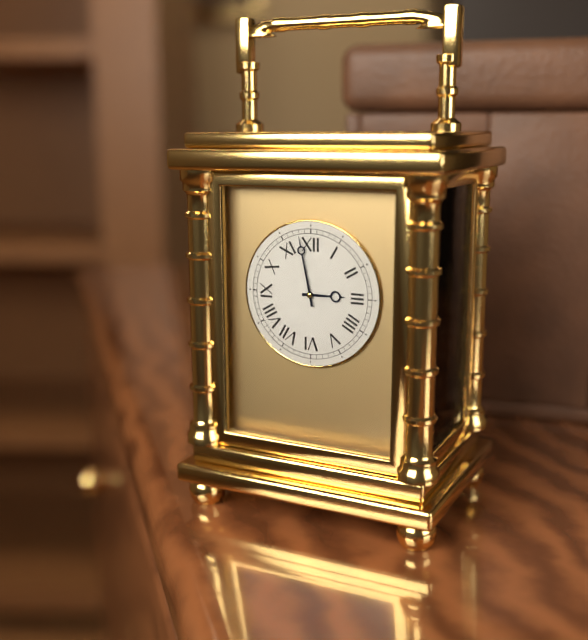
2:58
